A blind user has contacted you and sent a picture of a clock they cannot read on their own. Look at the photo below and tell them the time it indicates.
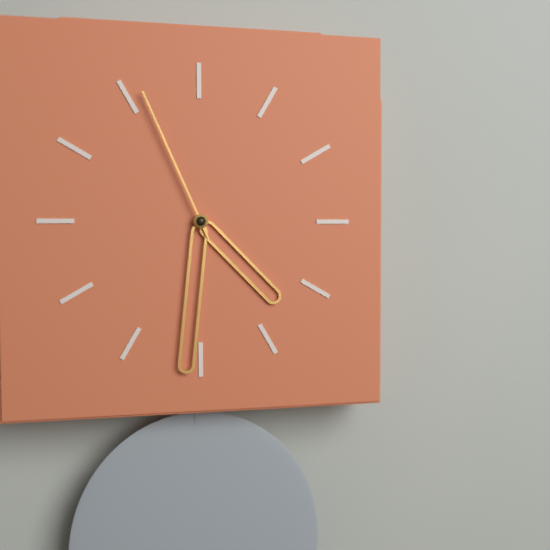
4:31:56
